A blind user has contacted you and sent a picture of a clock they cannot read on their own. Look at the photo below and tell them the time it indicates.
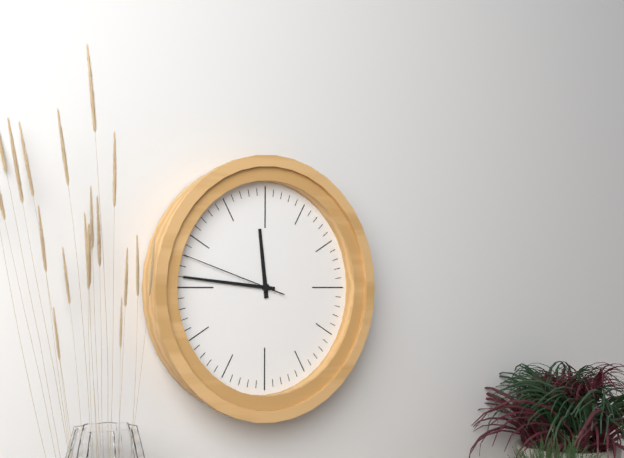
11:46:48
